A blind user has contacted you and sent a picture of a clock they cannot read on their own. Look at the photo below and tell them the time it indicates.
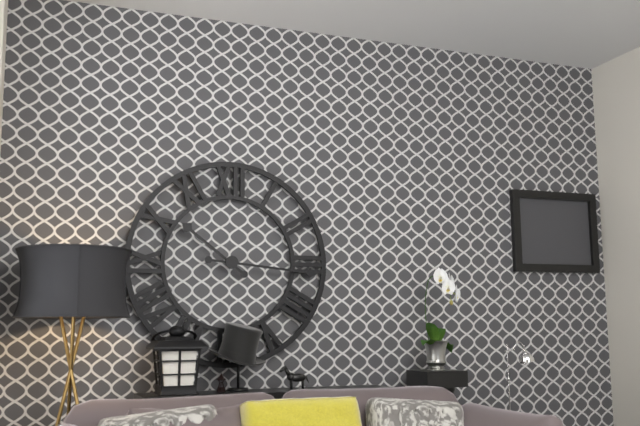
10:16
